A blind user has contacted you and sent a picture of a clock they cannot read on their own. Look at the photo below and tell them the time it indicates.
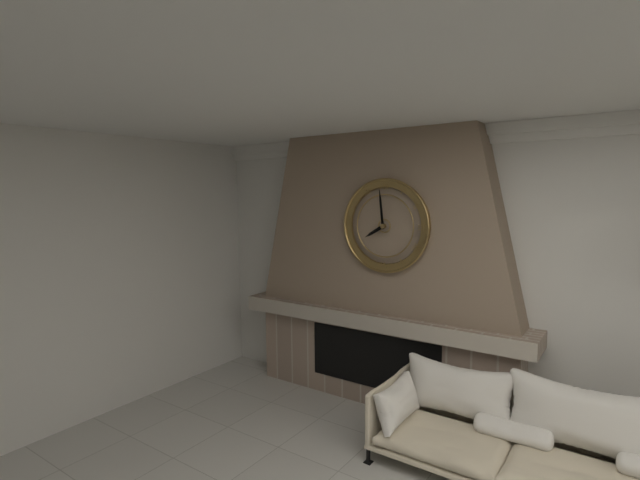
7:59
